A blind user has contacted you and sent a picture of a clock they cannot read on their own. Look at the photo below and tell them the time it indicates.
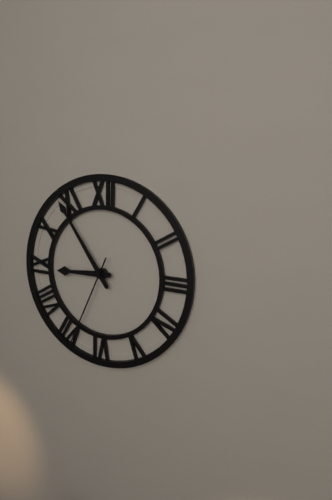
8:54:34
